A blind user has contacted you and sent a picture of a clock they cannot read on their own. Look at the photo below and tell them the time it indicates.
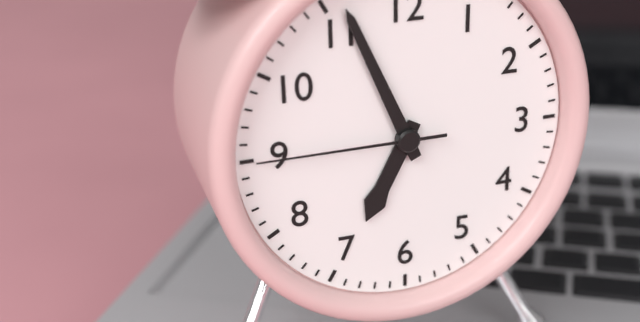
6:56:45
